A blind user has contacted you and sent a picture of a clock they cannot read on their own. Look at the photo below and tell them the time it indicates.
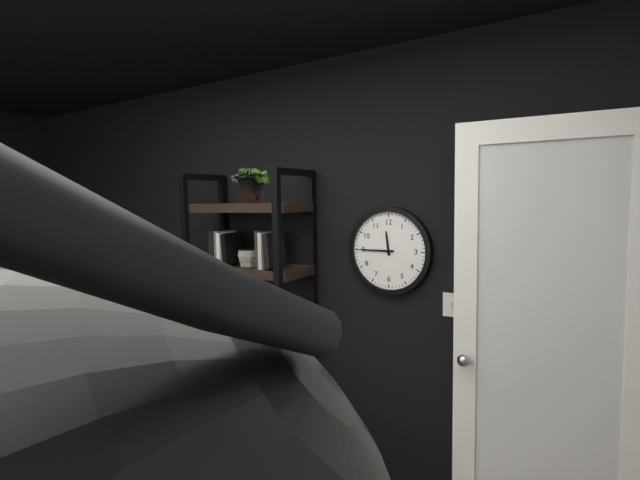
11:45
